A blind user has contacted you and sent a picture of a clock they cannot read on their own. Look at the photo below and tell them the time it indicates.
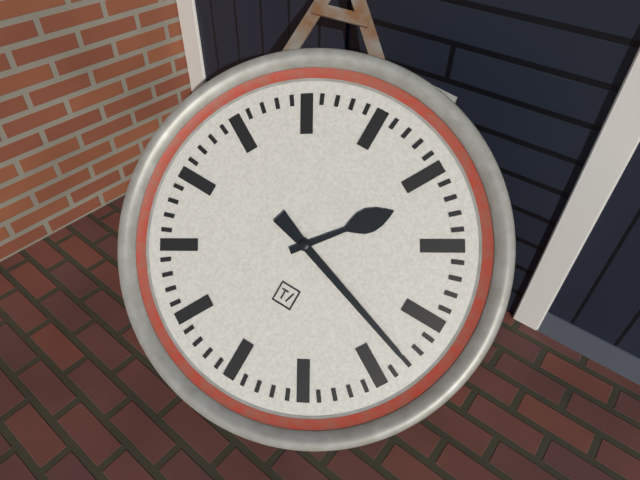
1:18
